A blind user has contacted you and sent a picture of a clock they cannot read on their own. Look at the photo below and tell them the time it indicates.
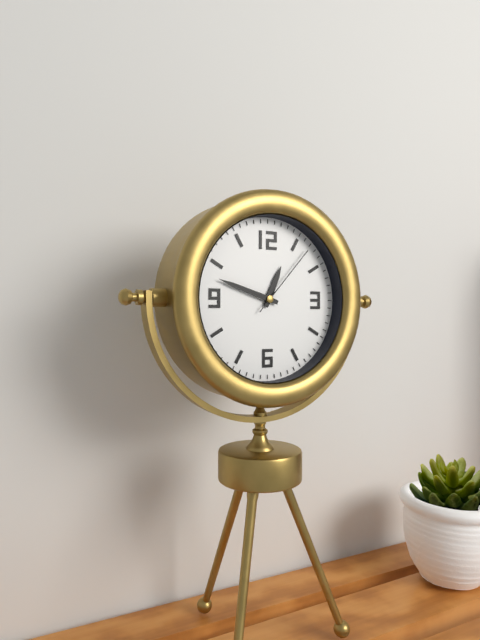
12:48:07
